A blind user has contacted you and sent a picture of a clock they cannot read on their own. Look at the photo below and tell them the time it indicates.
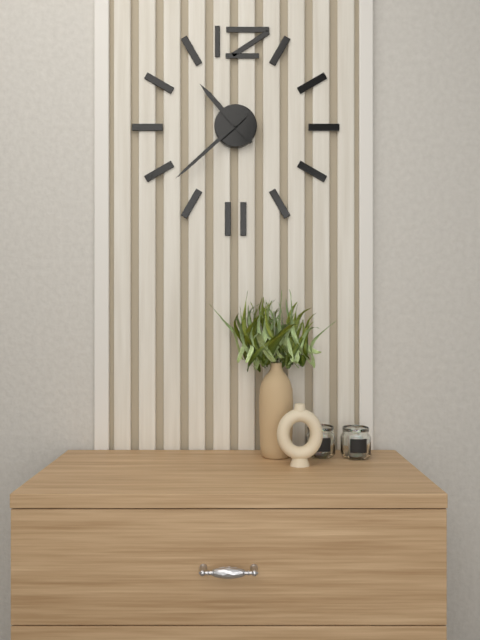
10:38
